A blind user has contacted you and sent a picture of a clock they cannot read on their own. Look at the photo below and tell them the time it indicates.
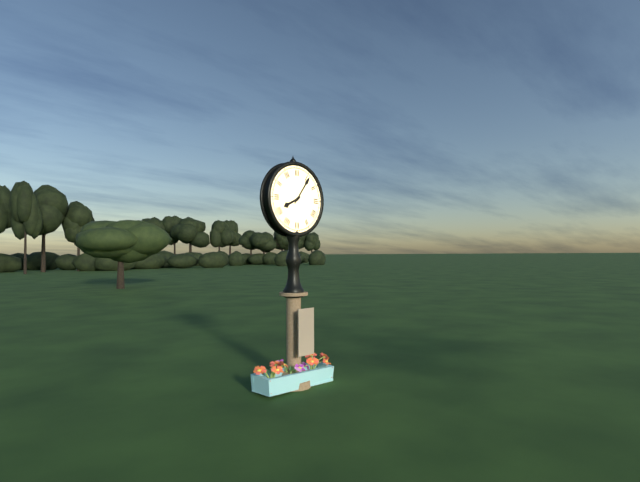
8:06
